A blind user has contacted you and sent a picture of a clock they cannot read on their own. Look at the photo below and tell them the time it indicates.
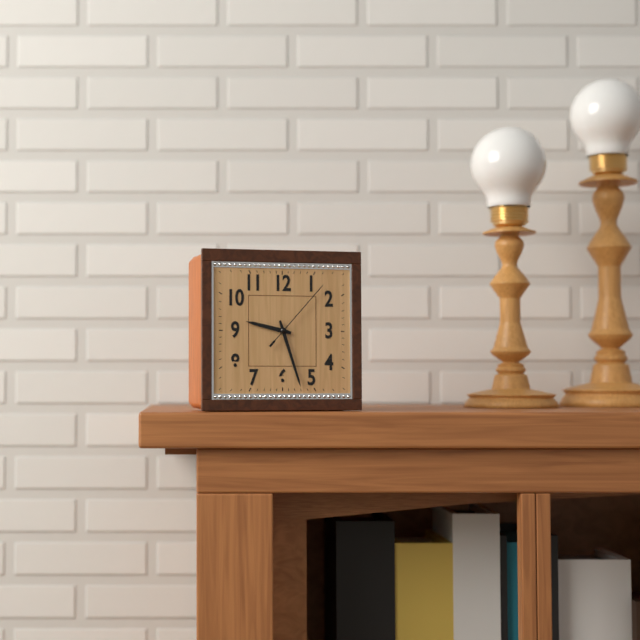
9:27:07
